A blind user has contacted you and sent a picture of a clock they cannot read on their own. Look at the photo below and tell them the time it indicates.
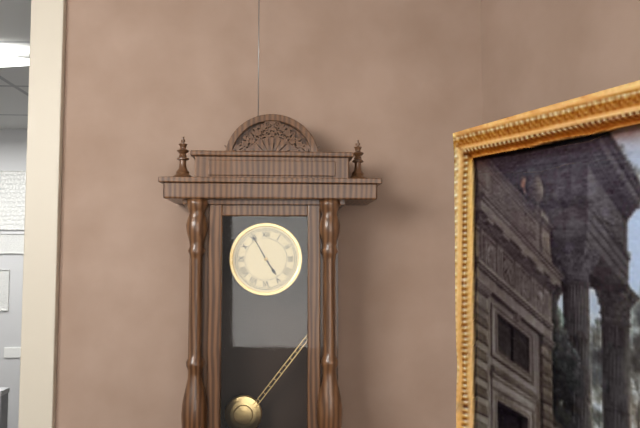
4:55
